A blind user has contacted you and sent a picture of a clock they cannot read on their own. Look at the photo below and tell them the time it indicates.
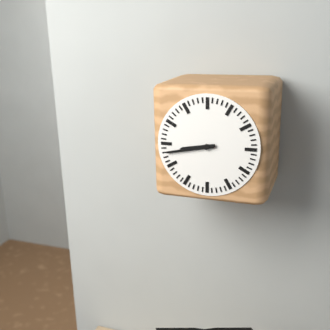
8:43
